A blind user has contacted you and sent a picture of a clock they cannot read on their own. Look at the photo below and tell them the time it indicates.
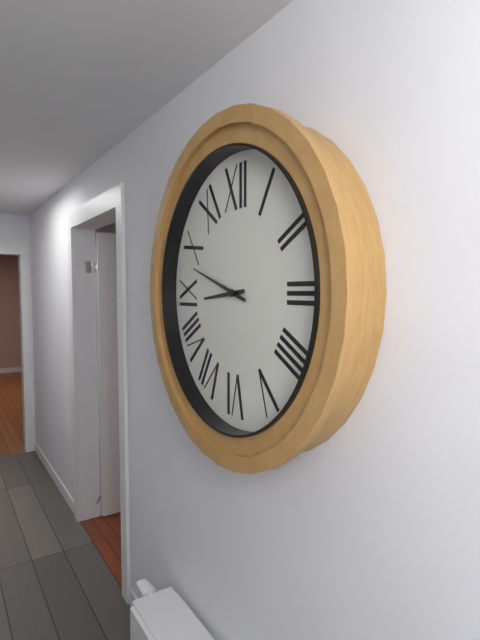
8:48
